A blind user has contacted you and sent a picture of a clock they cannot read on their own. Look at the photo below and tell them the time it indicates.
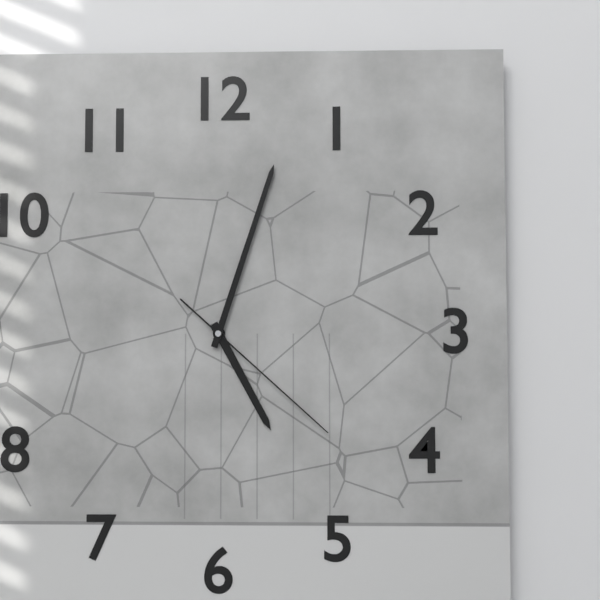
5:03:22
